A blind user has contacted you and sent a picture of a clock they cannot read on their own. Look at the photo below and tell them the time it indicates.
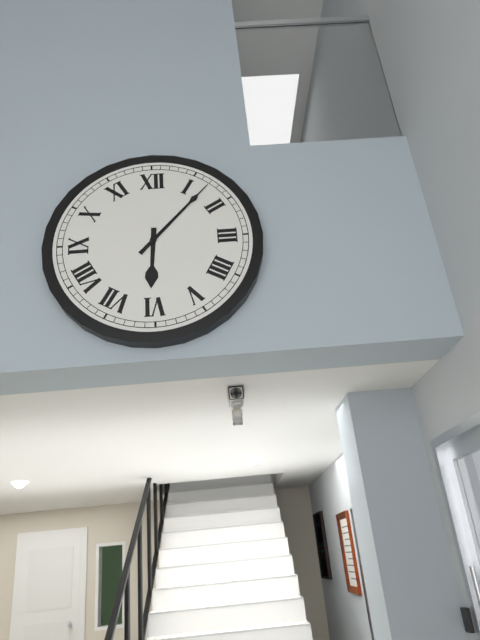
6:07
